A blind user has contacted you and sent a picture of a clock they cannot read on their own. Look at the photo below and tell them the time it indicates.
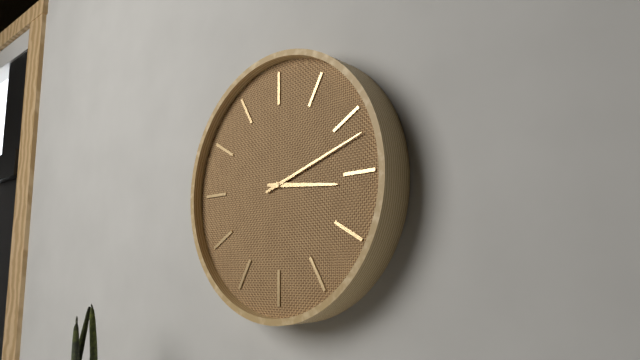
3:12
